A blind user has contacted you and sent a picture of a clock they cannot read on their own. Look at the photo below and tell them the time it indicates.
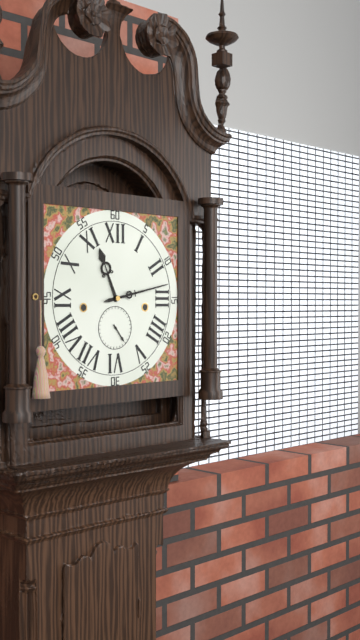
11:13
